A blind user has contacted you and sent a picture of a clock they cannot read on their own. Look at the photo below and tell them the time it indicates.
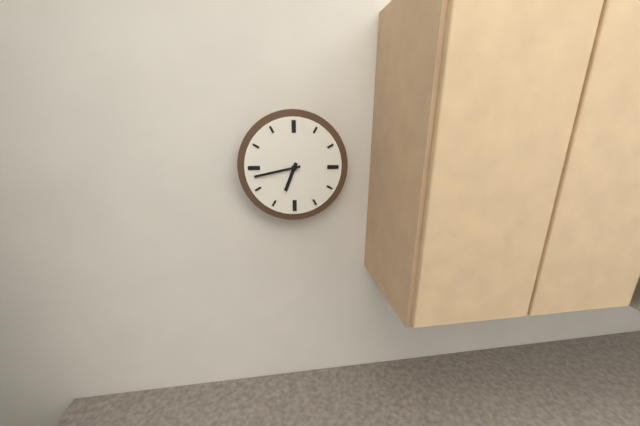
6:43
